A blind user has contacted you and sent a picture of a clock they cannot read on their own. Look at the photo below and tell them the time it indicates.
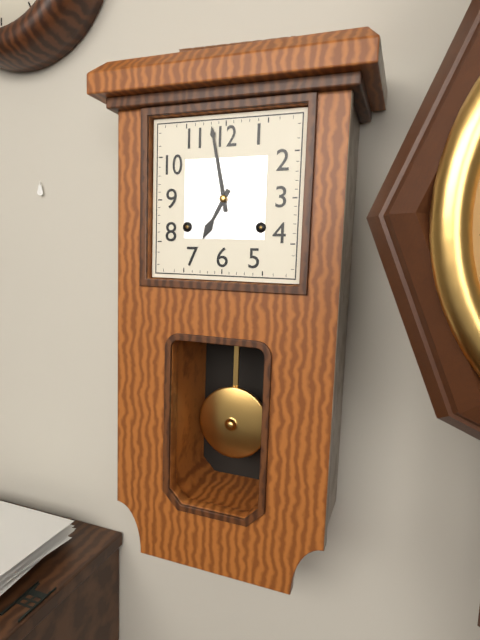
6:58
